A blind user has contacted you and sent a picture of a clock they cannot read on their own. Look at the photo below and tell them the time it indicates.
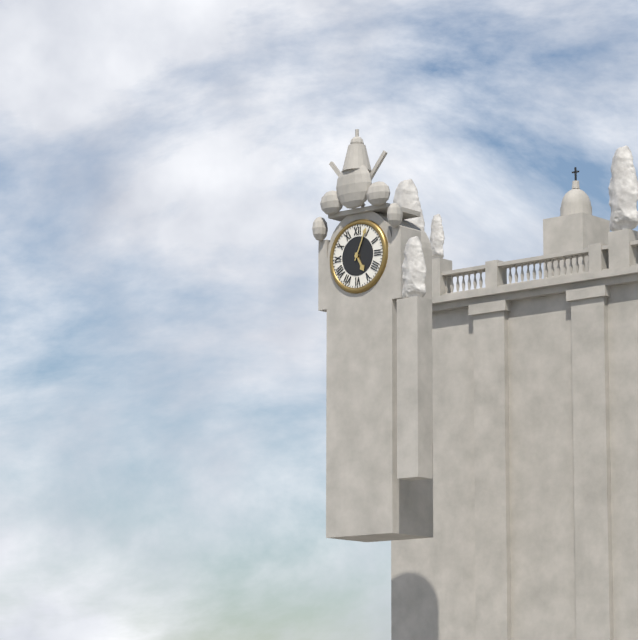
5:04
